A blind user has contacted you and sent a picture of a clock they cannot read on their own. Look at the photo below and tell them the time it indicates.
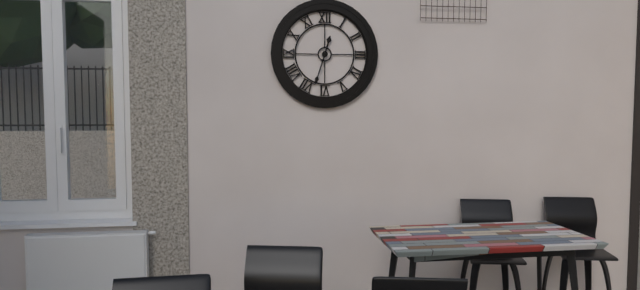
12:33
